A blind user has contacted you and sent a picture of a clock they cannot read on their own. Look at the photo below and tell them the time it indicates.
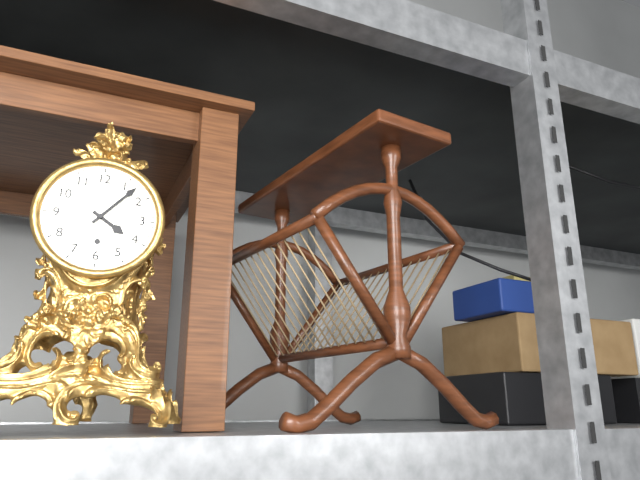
4:07
